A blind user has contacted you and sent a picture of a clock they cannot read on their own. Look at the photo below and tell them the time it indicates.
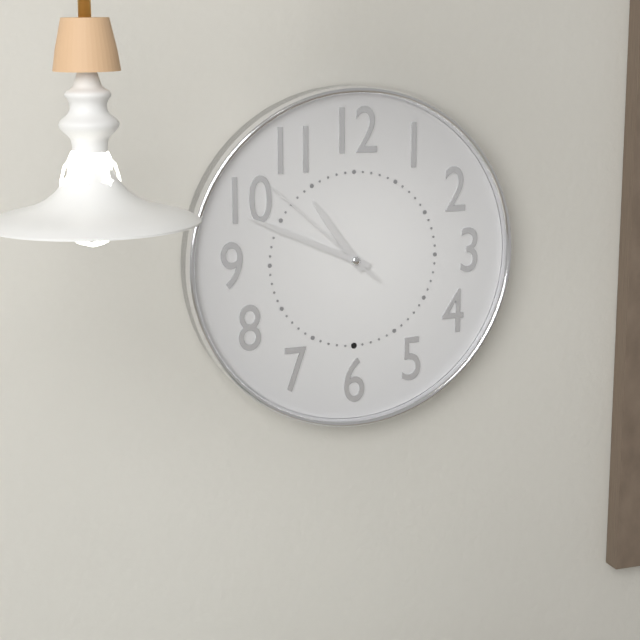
10:49:52
